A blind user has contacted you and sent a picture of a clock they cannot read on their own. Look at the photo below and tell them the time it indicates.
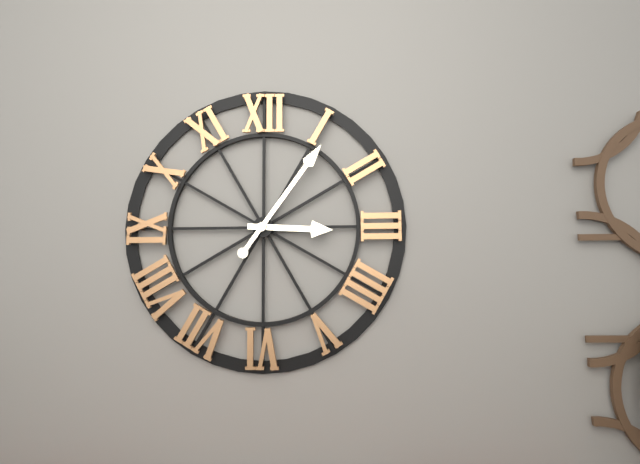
3:06
